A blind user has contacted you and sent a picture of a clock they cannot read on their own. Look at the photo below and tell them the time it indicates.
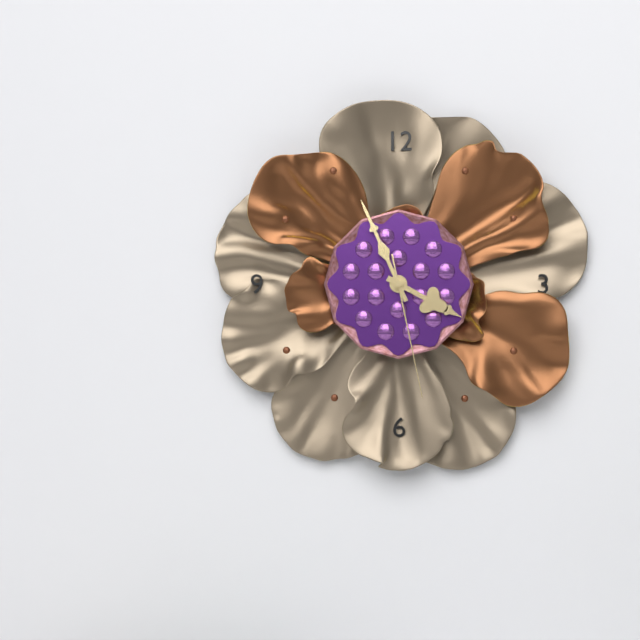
3:56:28
